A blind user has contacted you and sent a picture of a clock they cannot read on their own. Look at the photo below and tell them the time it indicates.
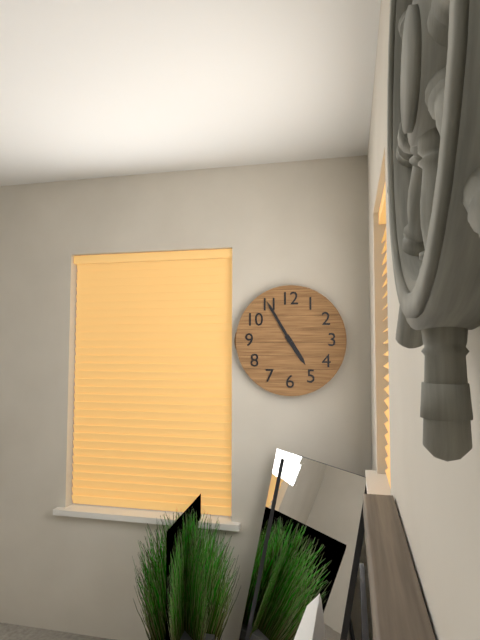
4:55
